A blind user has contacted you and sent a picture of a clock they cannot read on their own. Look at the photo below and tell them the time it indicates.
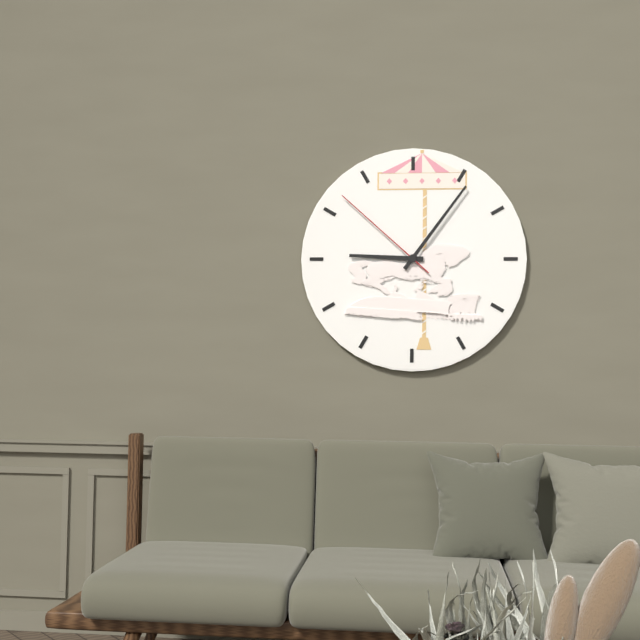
9:06:52
